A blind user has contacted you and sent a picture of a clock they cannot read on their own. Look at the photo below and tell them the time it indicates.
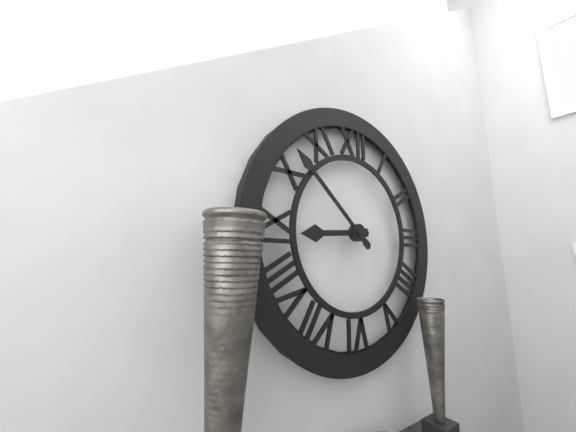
8:52
